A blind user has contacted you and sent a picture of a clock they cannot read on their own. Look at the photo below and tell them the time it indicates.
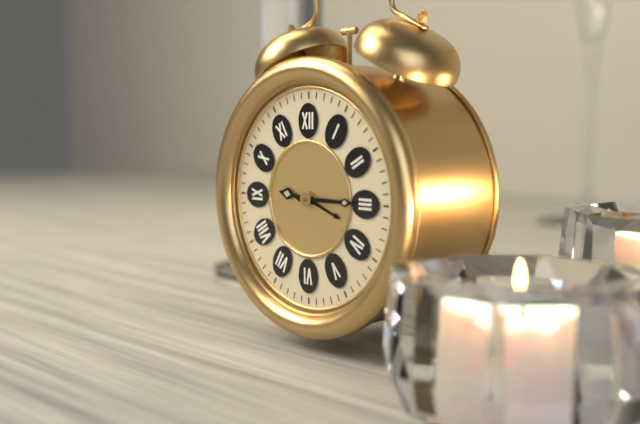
9:15
